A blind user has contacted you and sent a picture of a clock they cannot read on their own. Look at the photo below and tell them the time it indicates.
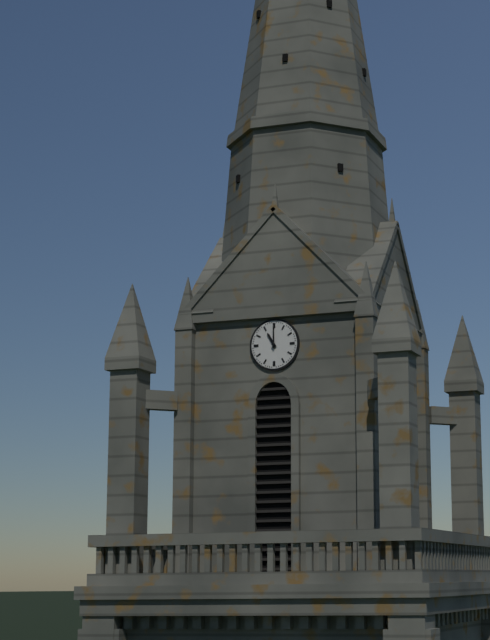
11:00
